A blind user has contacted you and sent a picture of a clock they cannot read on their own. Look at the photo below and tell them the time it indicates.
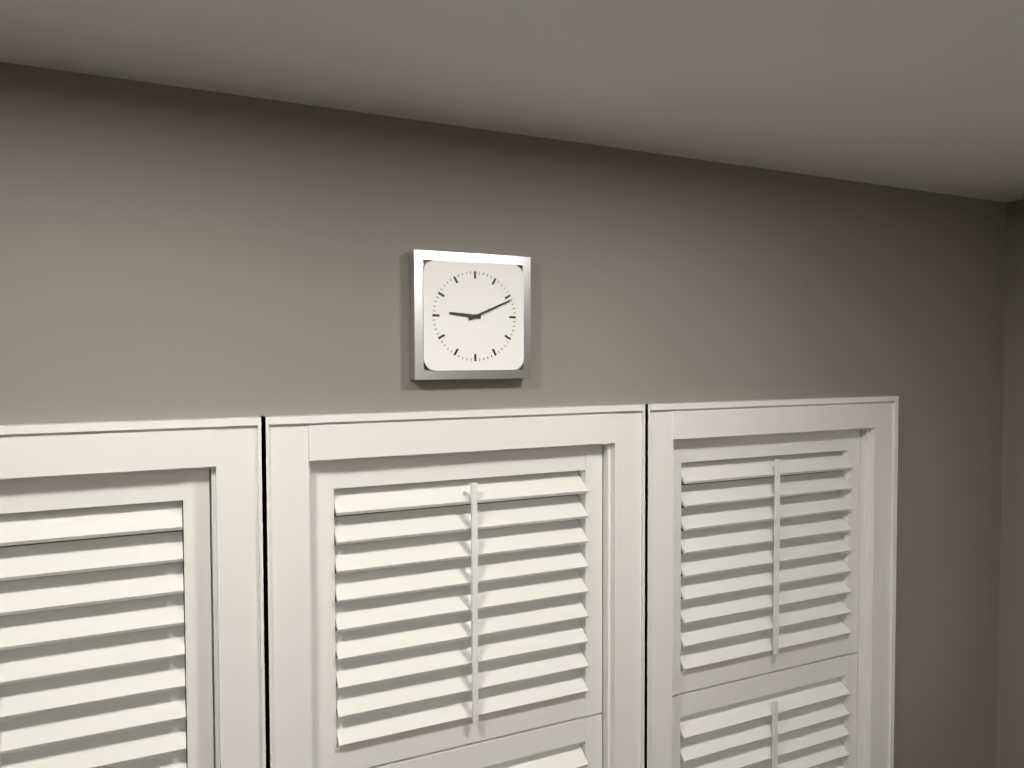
9:11
